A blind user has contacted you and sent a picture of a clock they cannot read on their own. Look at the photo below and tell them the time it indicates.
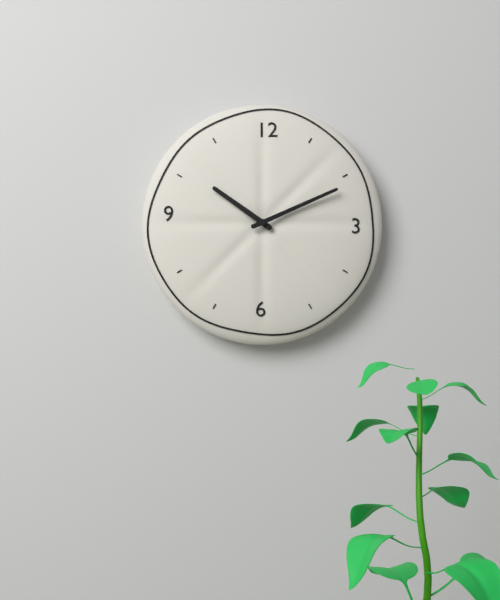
10:11
